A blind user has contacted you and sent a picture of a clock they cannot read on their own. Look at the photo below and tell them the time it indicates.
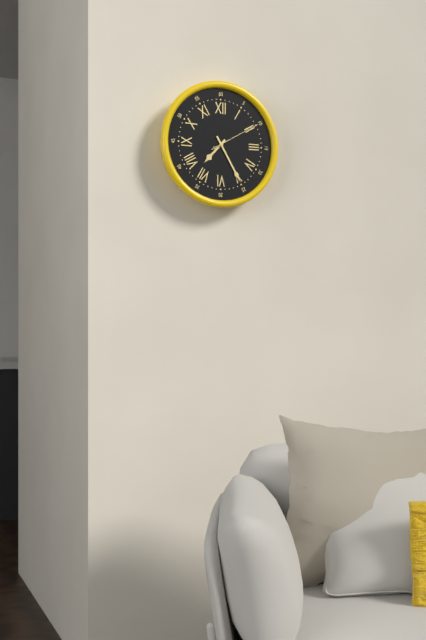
7:25:10
